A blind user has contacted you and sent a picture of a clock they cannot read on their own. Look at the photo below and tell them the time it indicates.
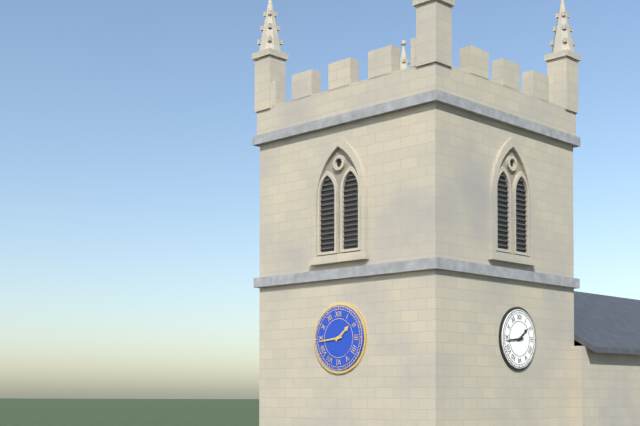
1:44
